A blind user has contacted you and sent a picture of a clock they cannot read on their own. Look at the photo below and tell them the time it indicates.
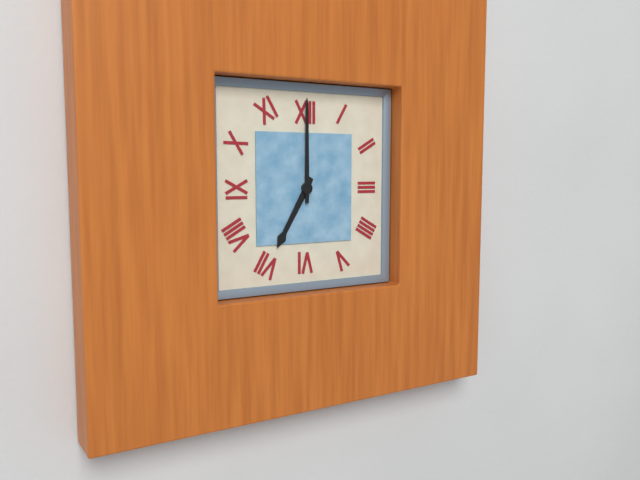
7:00
